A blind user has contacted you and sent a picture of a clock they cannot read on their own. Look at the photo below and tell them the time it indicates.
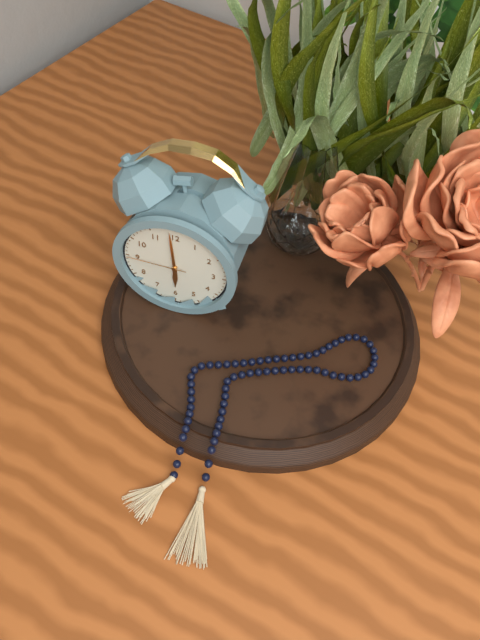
5:59:45
